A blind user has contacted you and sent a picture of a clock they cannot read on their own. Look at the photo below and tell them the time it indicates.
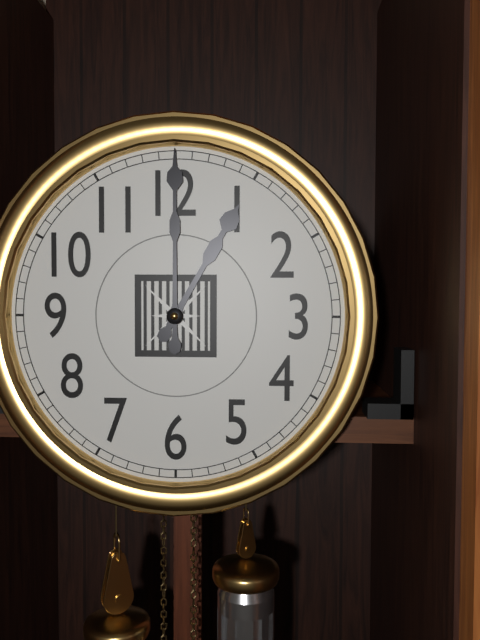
1:00
